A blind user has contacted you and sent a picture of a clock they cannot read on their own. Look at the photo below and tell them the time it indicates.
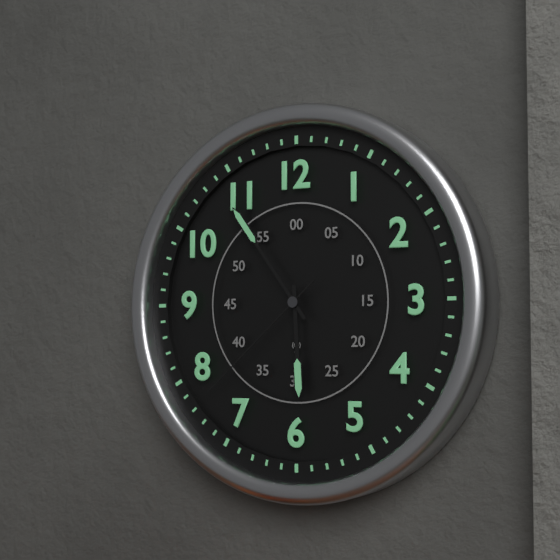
5:54:38
